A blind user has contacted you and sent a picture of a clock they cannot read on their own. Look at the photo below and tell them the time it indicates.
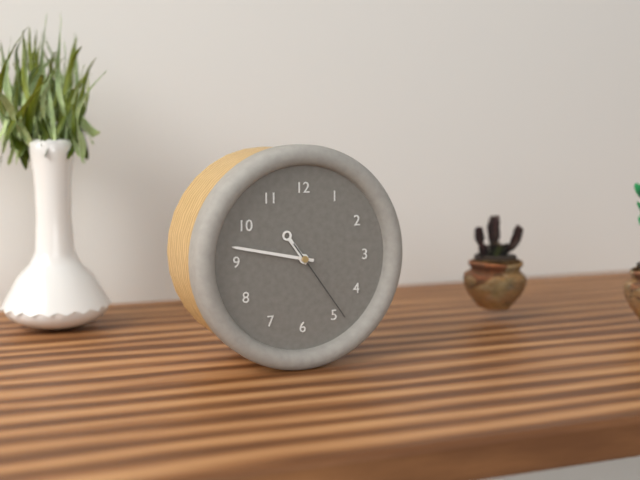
10:47:24
